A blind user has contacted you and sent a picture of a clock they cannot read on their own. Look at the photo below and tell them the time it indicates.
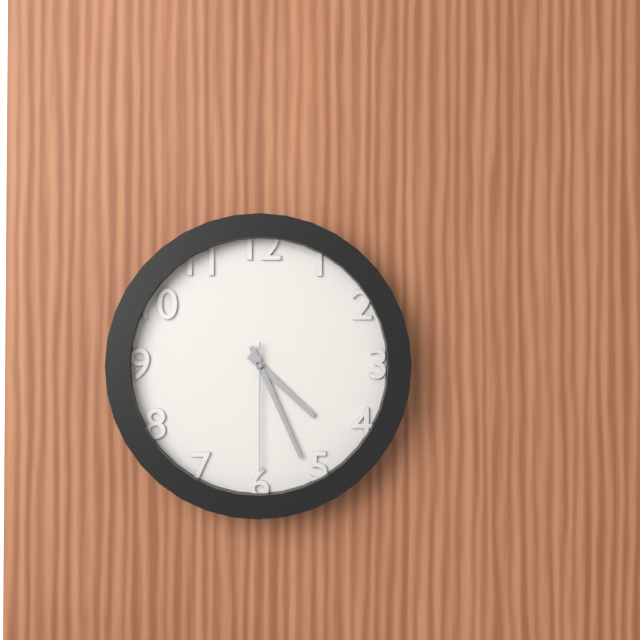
4:26:30
